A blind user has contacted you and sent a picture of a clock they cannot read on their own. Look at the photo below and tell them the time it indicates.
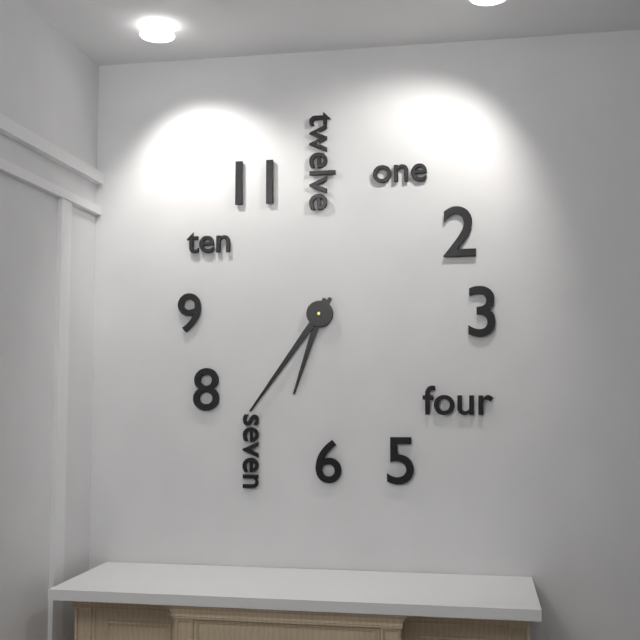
6:36
